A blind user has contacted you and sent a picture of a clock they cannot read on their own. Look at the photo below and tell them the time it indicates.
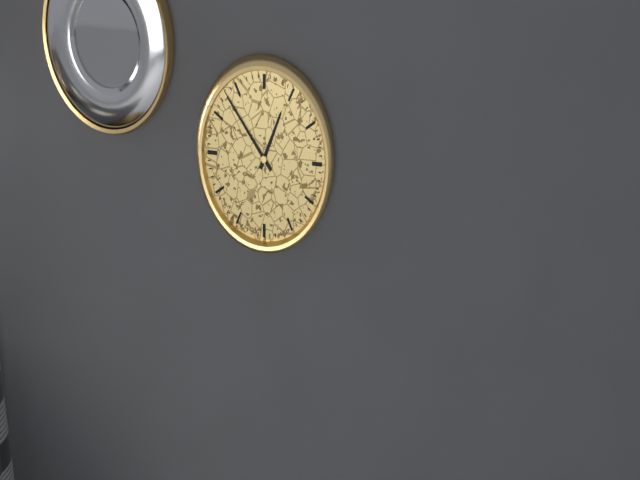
12:53
